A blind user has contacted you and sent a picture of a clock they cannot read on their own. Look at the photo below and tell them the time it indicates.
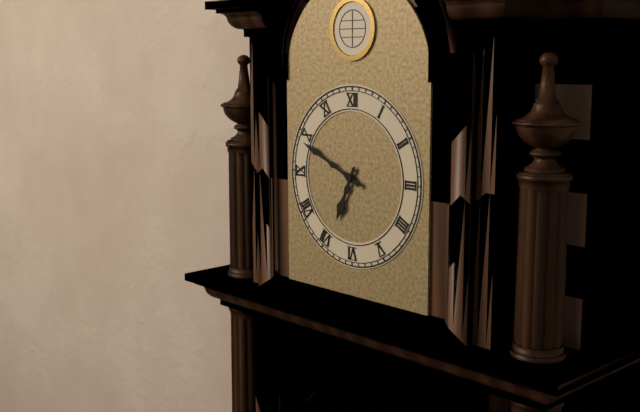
6:49
